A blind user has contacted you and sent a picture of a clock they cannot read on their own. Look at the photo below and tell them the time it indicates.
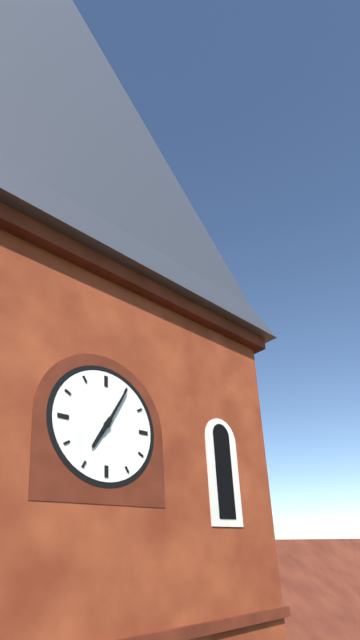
7:05
